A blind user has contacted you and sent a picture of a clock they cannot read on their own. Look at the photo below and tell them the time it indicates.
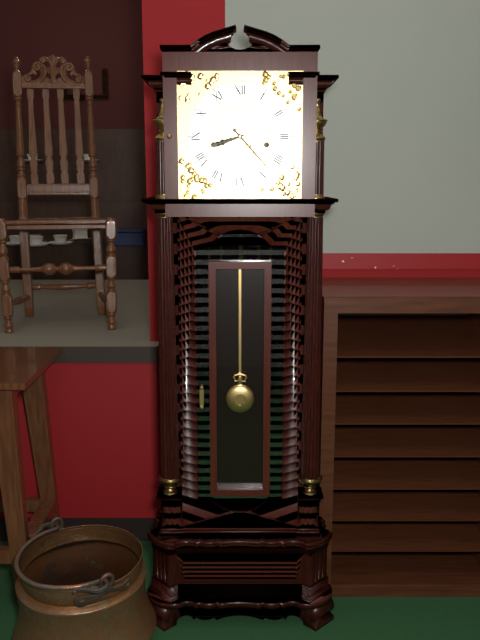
8:23
